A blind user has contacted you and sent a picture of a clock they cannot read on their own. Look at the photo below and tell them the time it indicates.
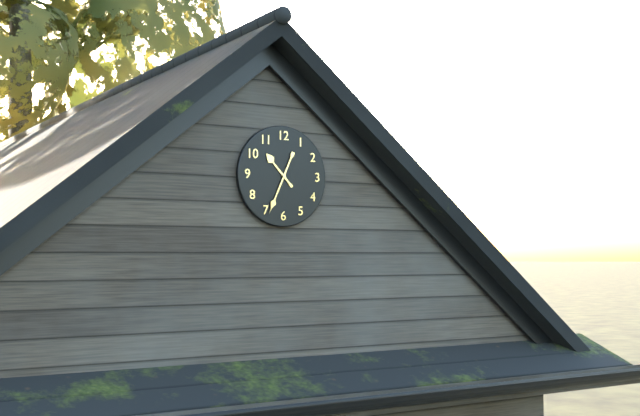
10:34
